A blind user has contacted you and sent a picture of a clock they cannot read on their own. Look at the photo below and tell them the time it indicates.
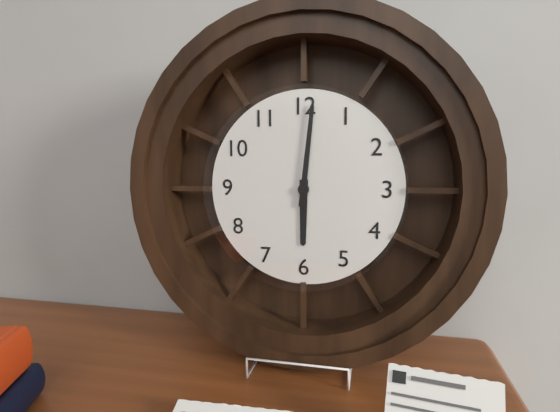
6:01
